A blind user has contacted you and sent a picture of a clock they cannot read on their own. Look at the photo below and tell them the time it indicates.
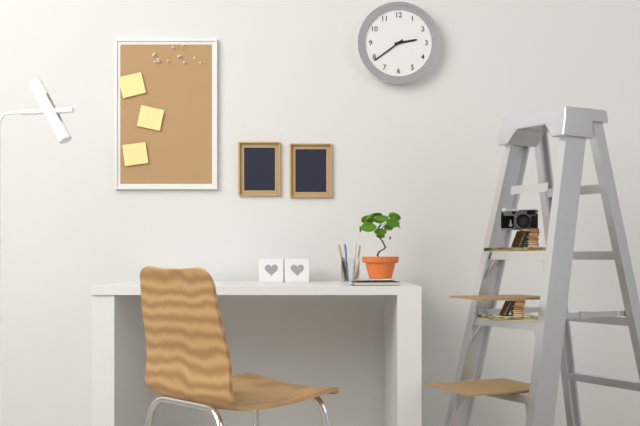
2:39
